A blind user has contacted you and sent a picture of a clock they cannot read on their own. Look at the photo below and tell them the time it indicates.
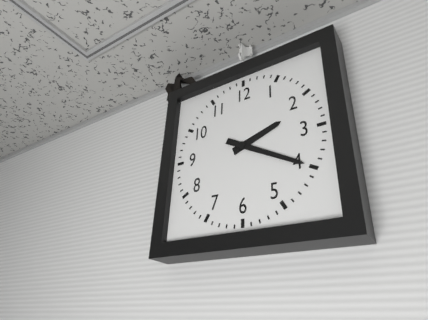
2:20
